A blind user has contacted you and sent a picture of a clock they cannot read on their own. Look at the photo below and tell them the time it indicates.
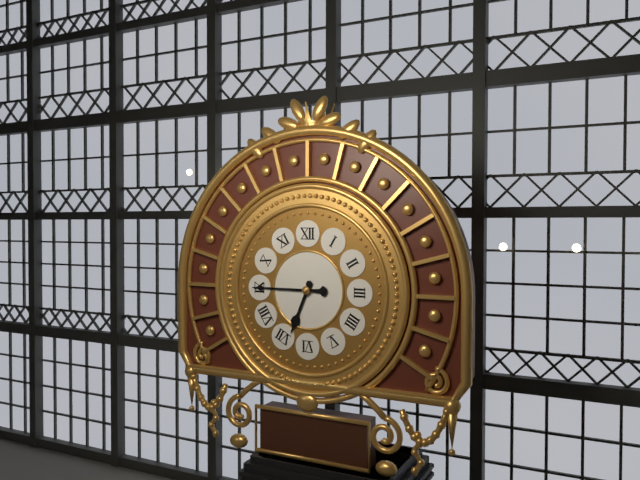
6:45
